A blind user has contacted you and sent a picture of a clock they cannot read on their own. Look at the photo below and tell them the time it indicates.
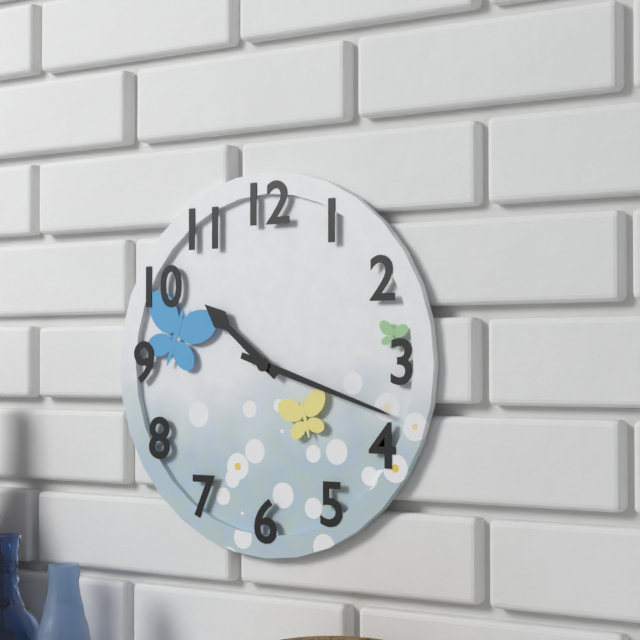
10:18
